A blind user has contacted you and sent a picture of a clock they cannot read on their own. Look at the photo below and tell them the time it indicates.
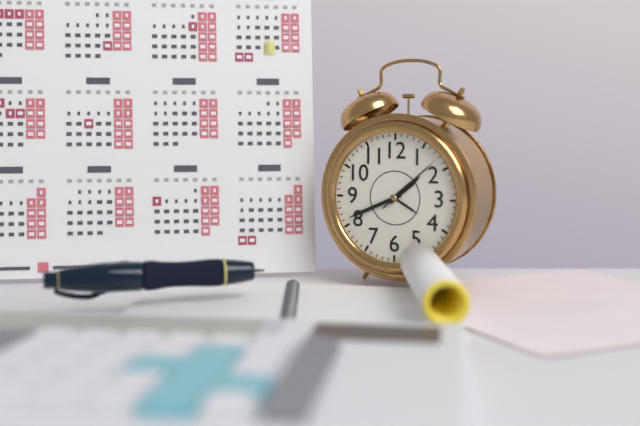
1:41:08
